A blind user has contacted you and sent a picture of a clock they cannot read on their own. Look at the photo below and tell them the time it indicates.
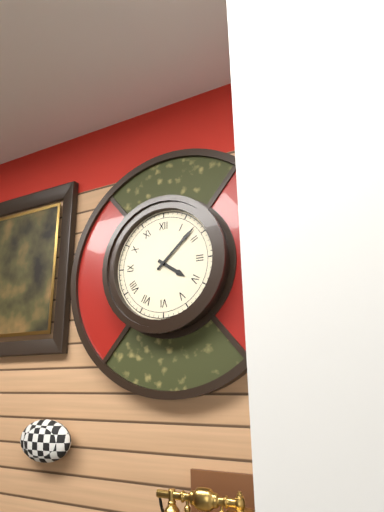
4:08
